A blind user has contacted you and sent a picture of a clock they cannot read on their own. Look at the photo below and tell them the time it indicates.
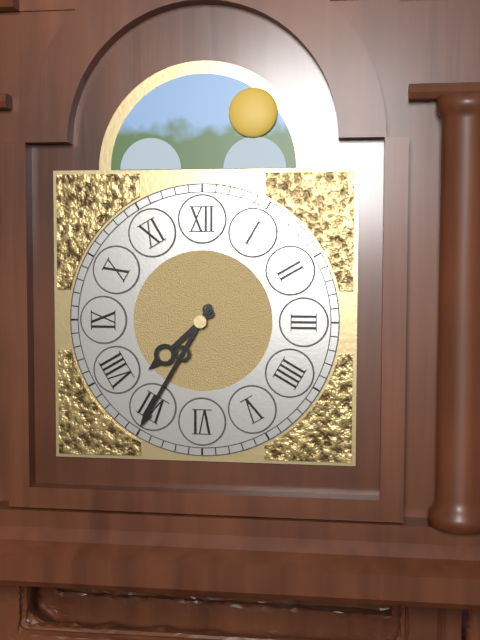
7:35
